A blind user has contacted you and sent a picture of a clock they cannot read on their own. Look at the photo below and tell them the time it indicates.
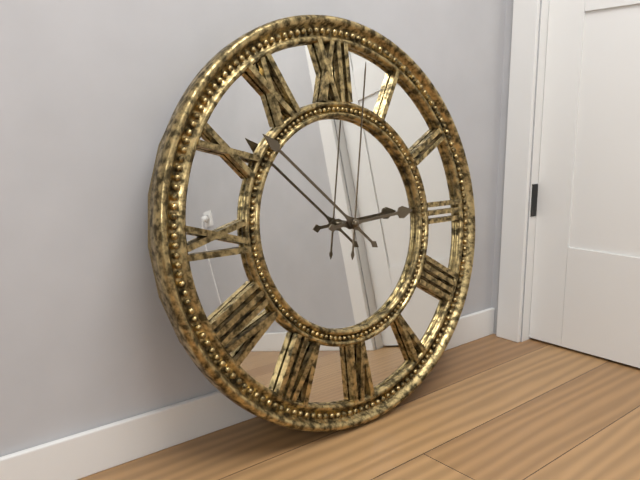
2:52:02
